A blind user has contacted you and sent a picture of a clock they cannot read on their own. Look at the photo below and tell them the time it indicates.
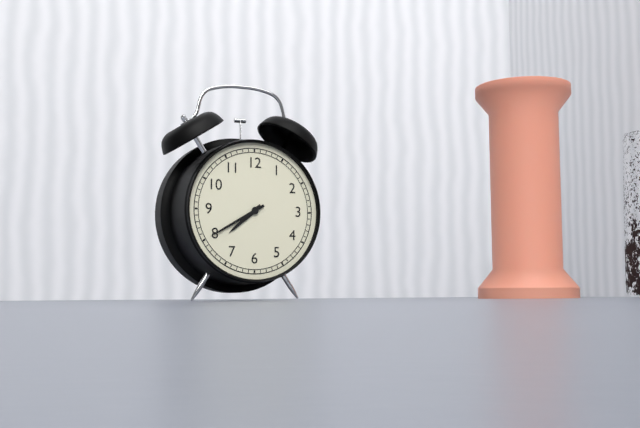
7:40
